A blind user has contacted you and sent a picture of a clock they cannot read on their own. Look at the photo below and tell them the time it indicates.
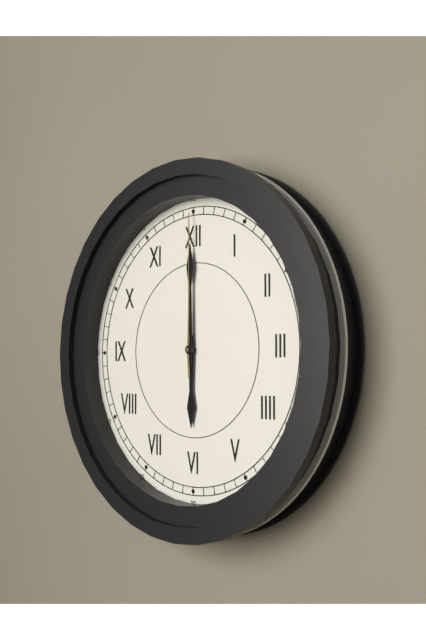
6:00:00
